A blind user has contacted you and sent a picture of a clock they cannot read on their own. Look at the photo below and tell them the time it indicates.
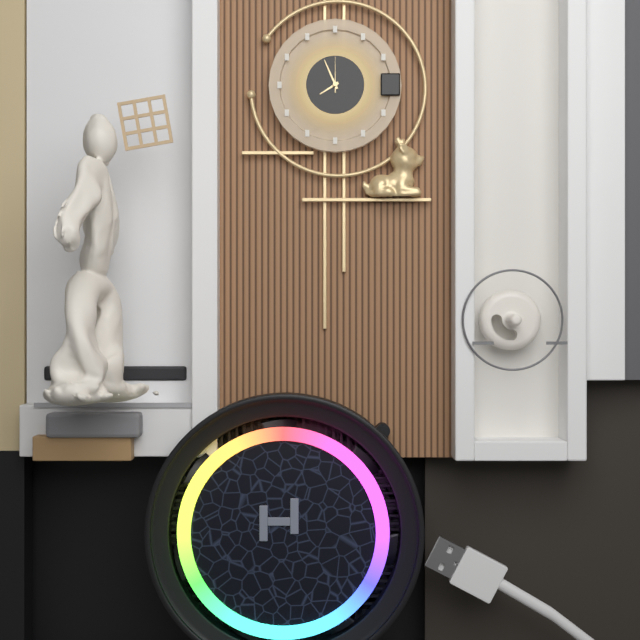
7:56
